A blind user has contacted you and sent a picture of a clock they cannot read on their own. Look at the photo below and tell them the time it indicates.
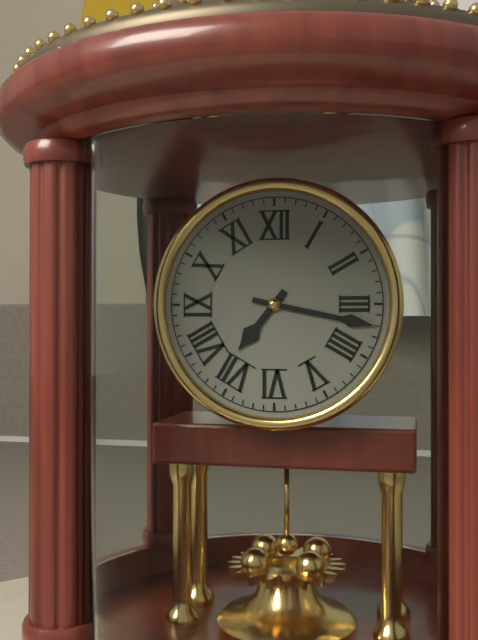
7:17
